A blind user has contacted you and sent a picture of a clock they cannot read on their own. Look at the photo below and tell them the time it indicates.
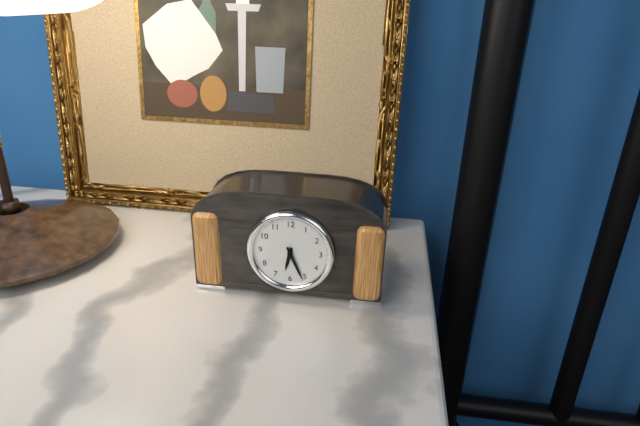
6:26
